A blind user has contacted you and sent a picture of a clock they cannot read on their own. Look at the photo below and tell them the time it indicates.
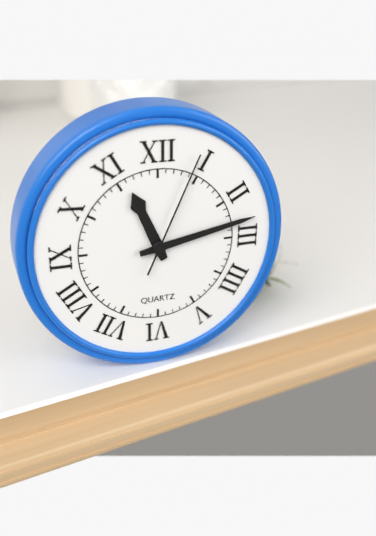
11:13:04
